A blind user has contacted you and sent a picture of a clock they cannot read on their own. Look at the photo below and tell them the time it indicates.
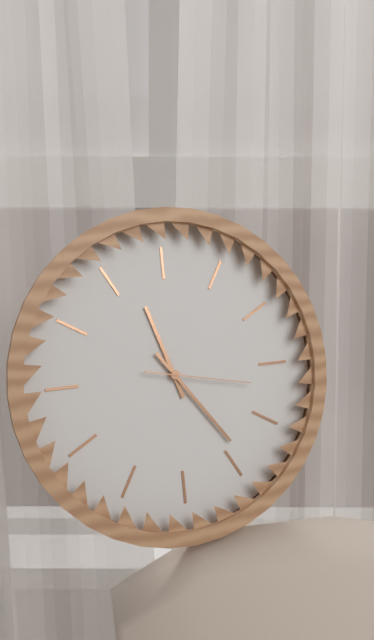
11:24:17
